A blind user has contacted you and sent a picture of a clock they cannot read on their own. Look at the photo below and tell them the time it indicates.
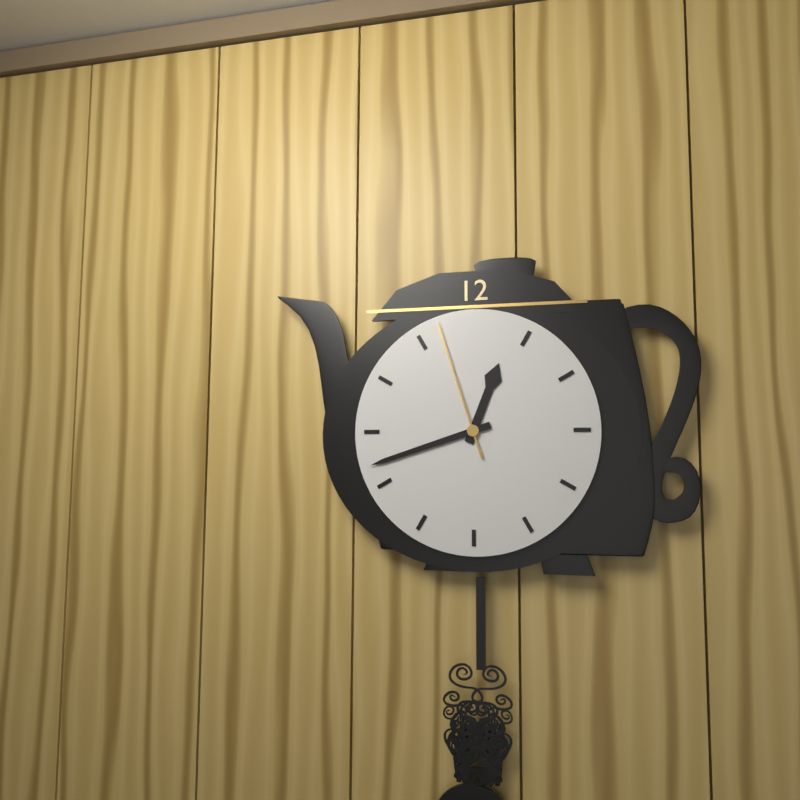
12:42:57
